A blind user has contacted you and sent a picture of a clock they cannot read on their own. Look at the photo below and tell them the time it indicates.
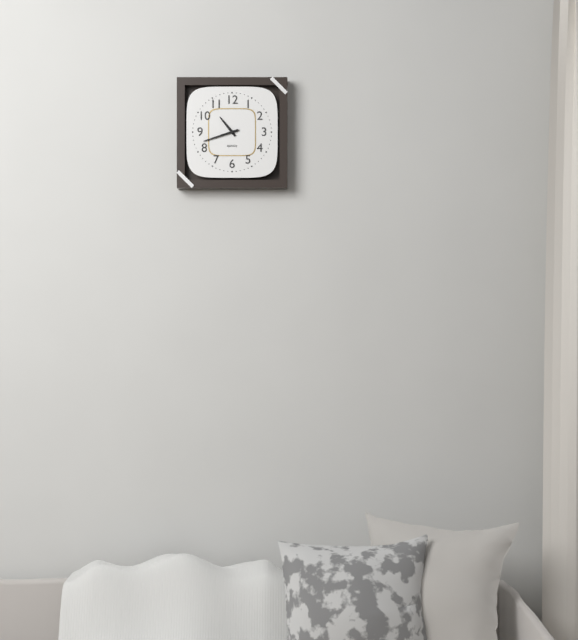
10:42
